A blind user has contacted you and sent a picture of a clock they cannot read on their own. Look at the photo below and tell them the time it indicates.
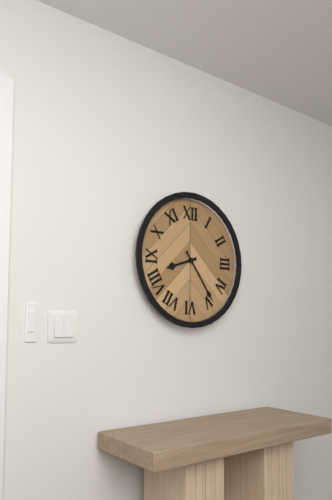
8:24
